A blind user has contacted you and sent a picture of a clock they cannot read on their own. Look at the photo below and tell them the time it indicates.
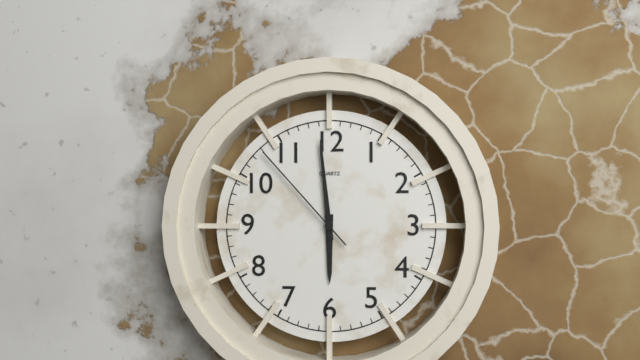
5:59:53
